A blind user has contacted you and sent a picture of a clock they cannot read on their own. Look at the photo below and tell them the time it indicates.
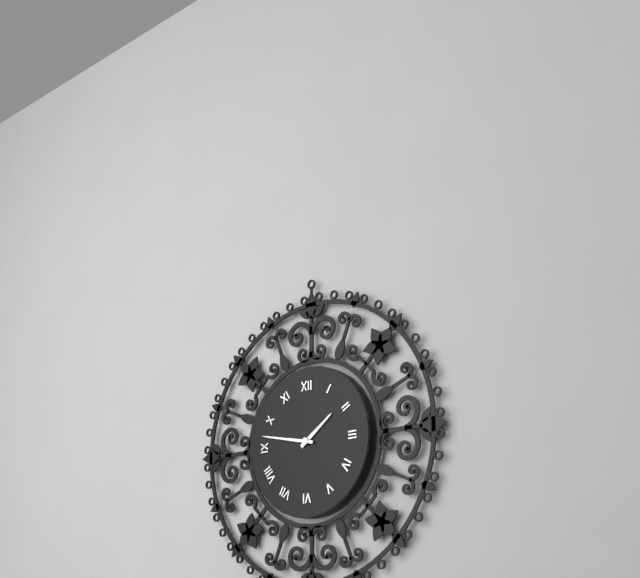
1:47
